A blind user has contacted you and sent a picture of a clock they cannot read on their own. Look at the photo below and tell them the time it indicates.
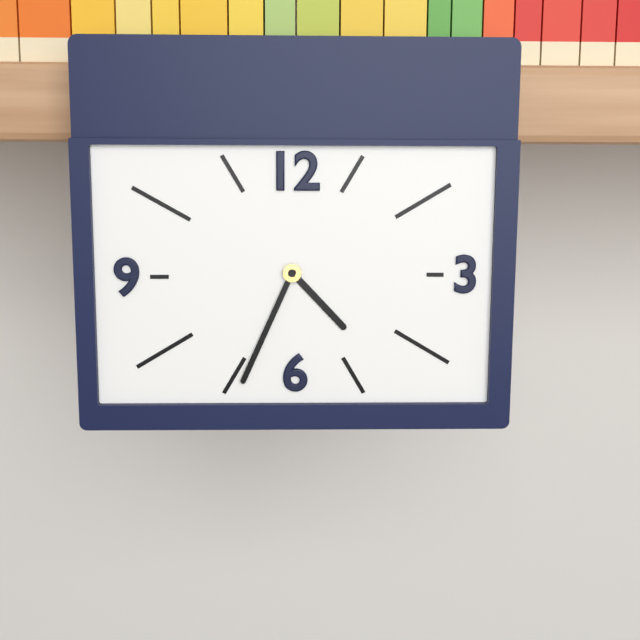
4:34
